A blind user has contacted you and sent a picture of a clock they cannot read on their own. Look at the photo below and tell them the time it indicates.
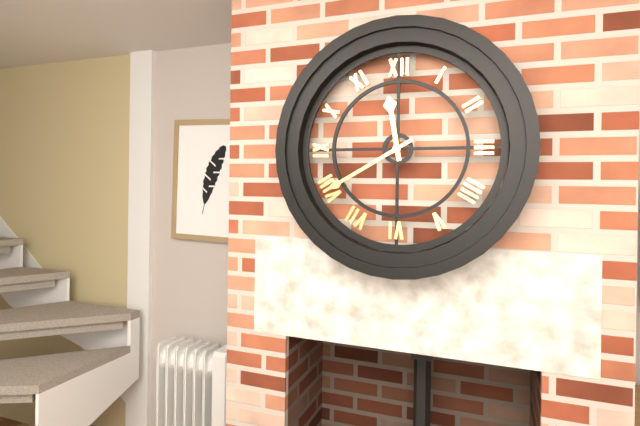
11:40
